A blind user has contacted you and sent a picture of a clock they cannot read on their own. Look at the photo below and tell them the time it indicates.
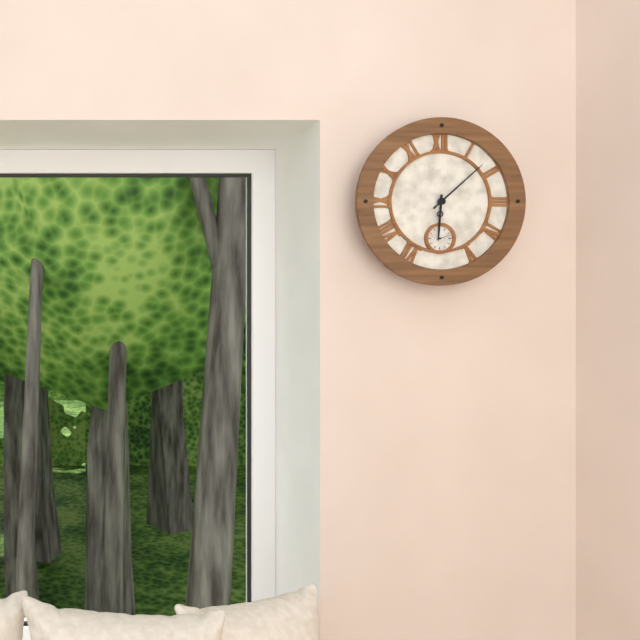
6:08
